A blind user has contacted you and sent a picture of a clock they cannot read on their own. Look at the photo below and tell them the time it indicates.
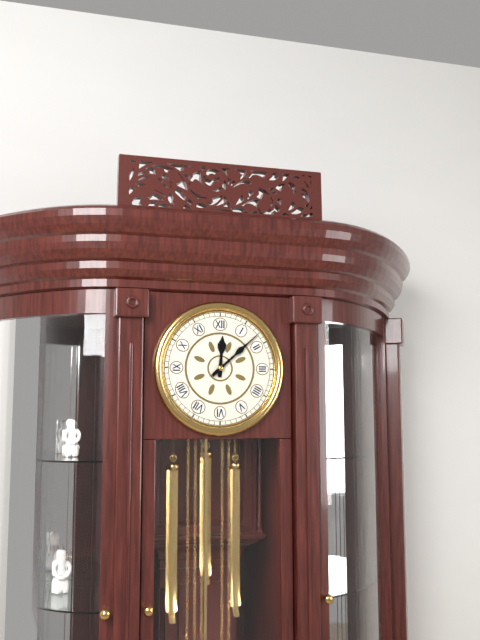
12:08
